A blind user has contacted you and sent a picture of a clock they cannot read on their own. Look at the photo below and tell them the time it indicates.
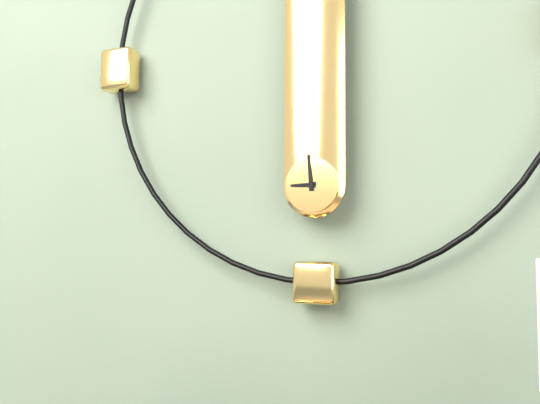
8:59
